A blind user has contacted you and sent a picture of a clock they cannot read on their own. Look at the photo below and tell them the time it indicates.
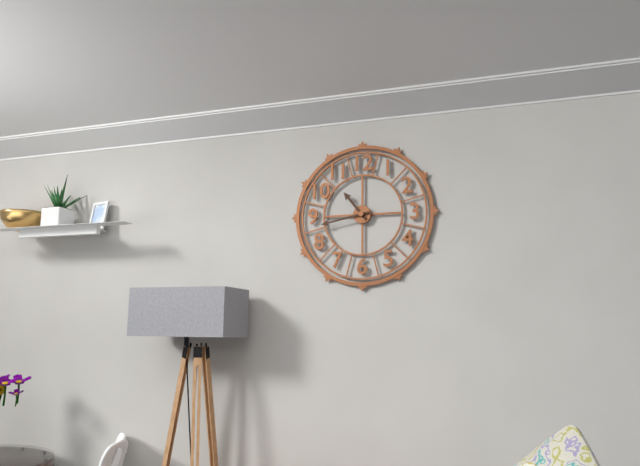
10:43
